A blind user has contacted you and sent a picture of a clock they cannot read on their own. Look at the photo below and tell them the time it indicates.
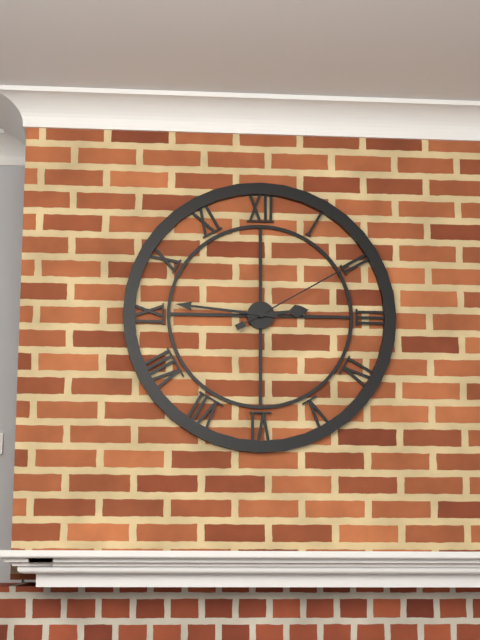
2:46:10
